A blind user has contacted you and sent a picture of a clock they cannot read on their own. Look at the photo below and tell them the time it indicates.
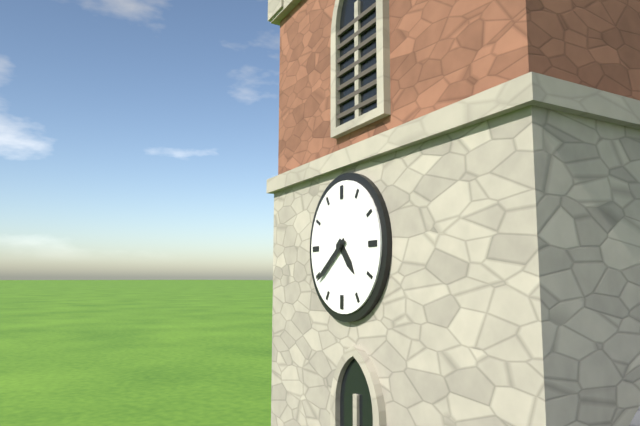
4:39
